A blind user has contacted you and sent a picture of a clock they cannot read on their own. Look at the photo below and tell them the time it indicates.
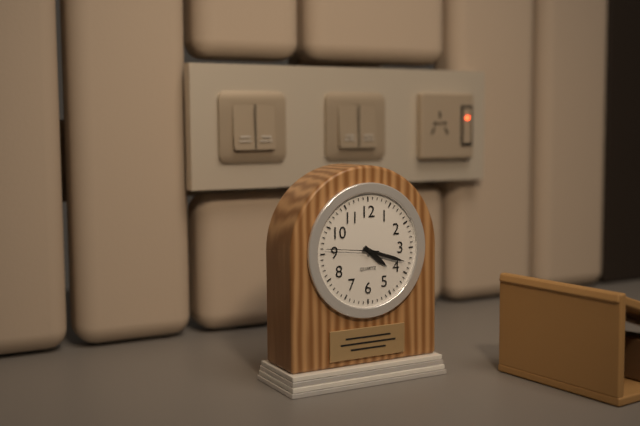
4:18:46
